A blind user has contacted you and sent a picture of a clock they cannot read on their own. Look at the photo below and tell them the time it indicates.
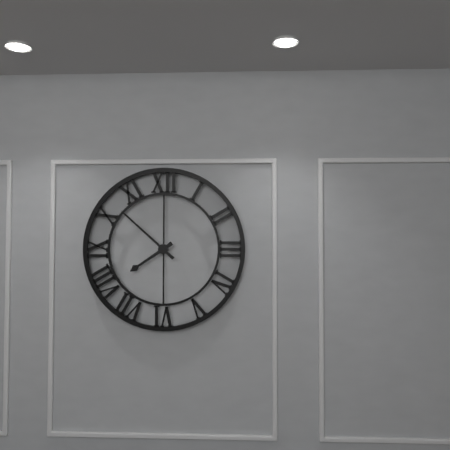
7:52
